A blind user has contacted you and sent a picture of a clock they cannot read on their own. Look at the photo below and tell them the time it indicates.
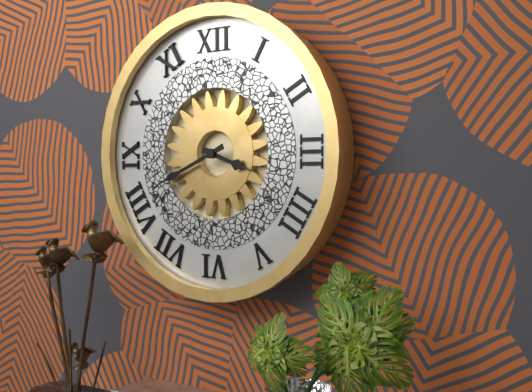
3:41
